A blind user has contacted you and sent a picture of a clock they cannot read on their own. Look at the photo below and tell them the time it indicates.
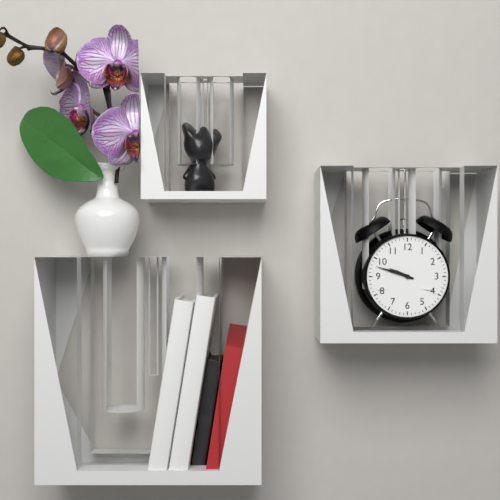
9:48
